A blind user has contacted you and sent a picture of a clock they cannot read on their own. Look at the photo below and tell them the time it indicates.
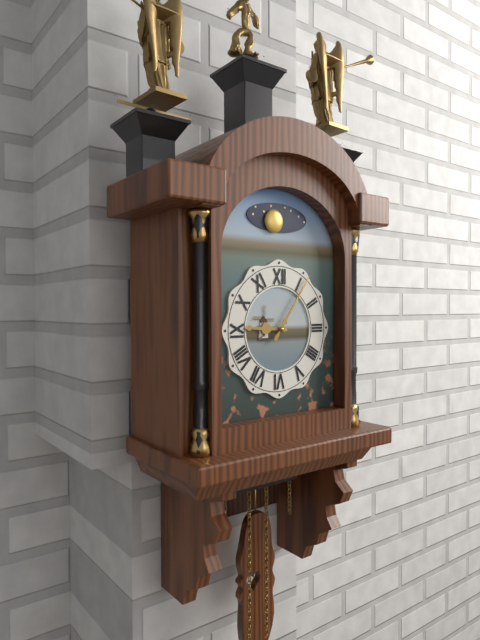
9:06
